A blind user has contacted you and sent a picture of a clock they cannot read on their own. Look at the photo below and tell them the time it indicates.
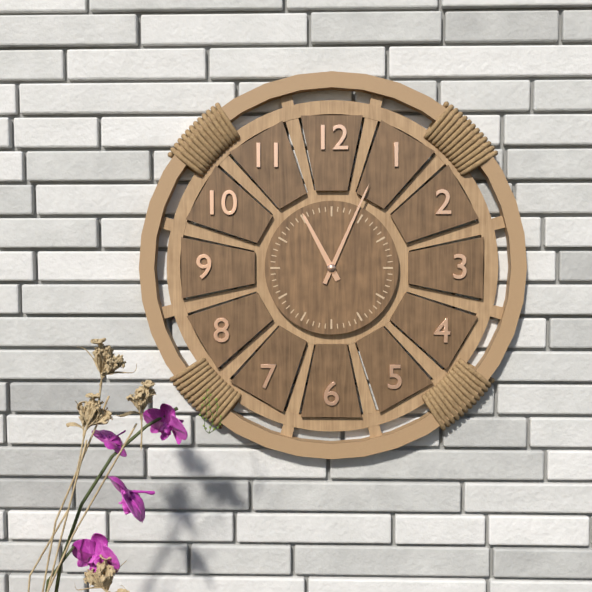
11:04
